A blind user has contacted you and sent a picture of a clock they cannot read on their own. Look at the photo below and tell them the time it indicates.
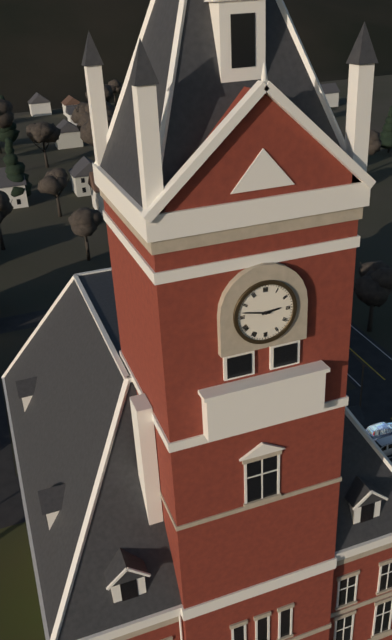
2:47
